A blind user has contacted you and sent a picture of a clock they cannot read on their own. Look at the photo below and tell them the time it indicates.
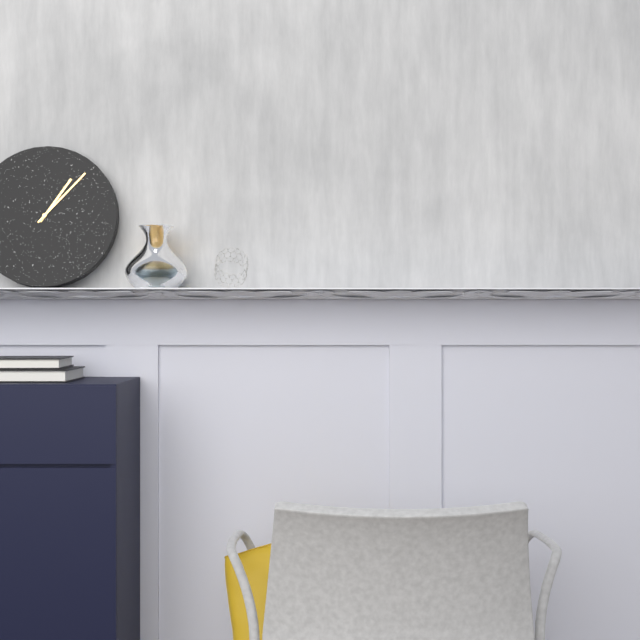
1:07
